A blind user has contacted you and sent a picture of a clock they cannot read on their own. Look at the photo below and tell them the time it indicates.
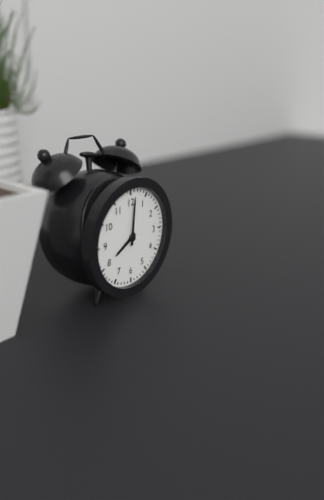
8:01
